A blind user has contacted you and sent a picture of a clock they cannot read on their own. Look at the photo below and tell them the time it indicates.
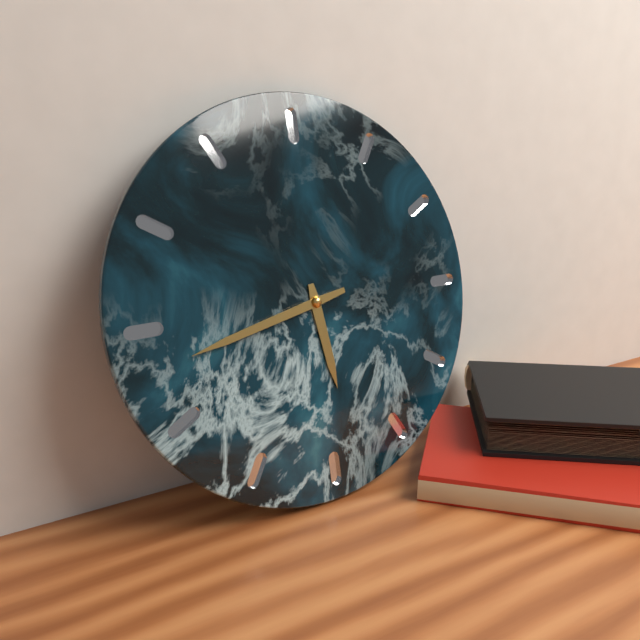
5:43
